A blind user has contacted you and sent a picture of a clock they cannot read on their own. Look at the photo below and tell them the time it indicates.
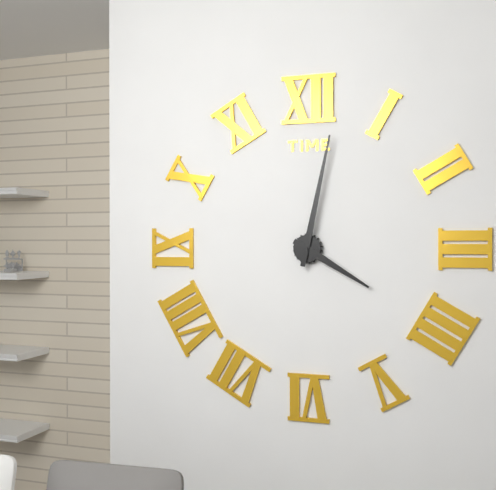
4:02
